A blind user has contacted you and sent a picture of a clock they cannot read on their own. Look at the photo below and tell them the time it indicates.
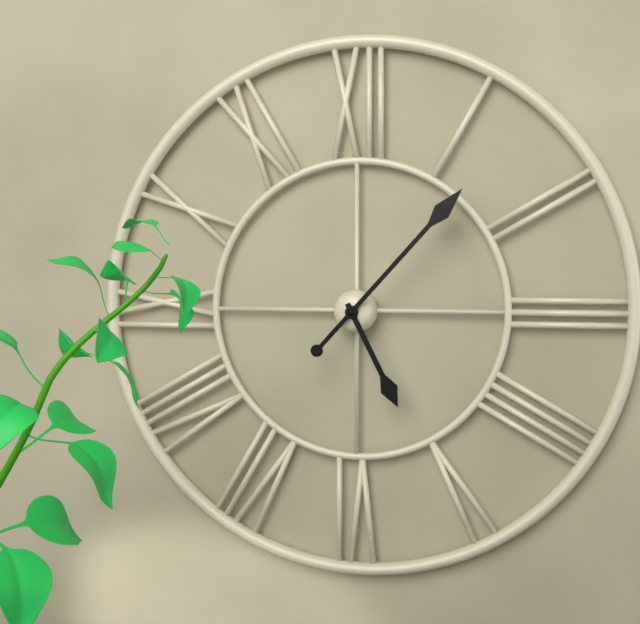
5:07
